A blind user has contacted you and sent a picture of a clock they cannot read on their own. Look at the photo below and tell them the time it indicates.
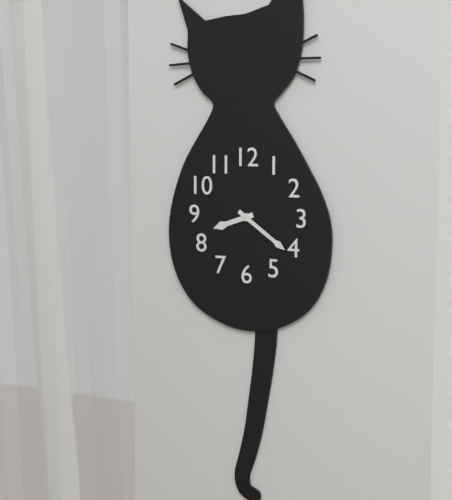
8:21
